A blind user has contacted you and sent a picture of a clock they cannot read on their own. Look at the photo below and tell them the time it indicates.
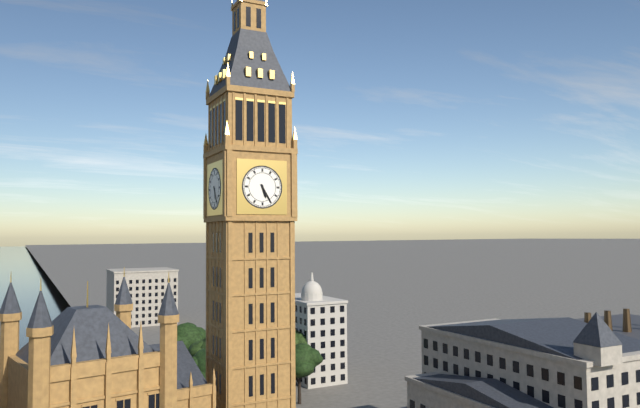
5:25
